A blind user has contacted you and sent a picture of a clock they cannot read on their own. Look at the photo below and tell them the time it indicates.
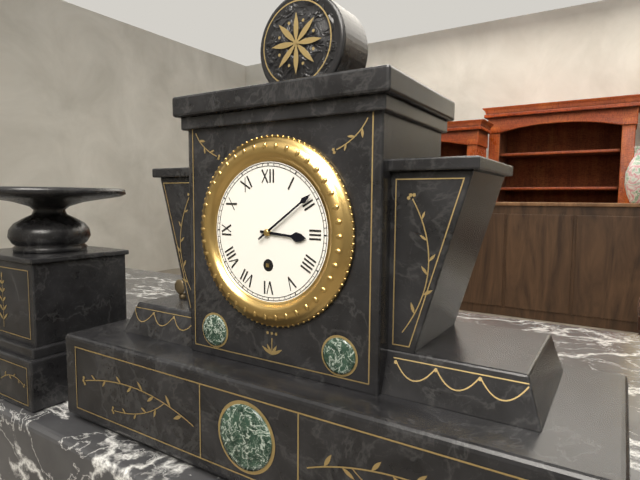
3:09
